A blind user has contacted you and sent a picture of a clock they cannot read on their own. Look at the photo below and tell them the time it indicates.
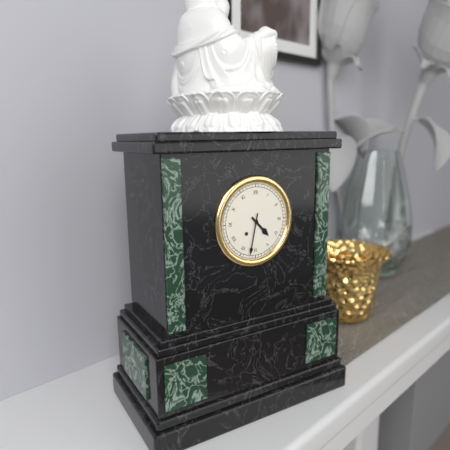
4:32
